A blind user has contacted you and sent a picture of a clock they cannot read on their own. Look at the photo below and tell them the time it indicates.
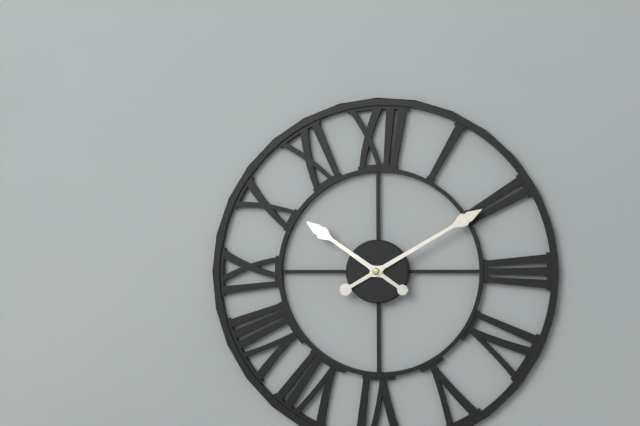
10:10
